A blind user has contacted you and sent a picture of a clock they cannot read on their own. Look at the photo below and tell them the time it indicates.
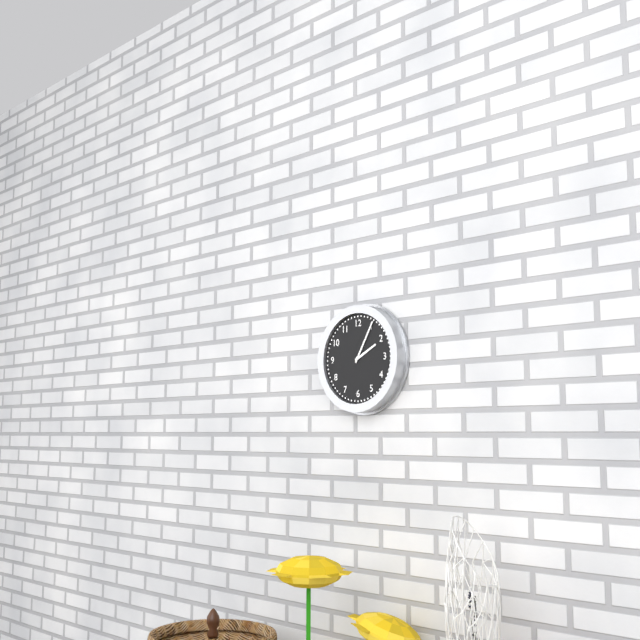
2:05
